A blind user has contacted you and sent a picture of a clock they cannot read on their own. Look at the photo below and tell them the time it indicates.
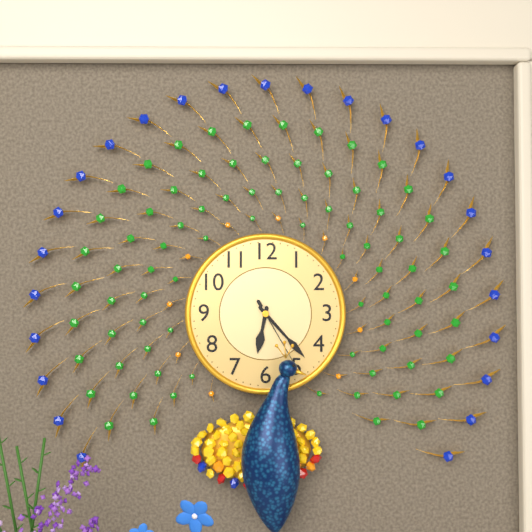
6:23:25
